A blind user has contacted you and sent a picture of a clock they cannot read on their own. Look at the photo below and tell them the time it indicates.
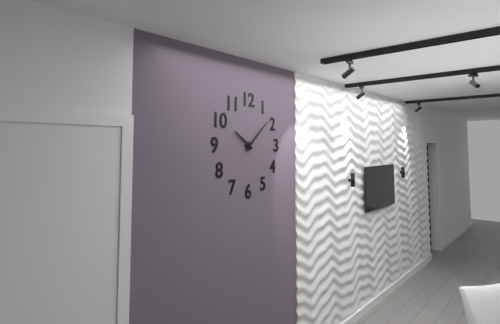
10:08
